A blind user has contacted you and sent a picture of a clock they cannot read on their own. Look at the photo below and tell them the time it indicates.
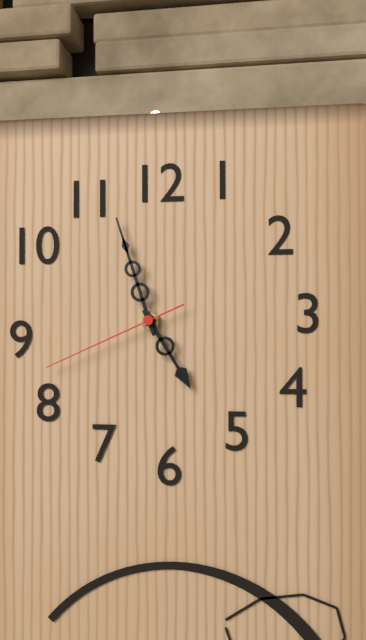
4:57:41
